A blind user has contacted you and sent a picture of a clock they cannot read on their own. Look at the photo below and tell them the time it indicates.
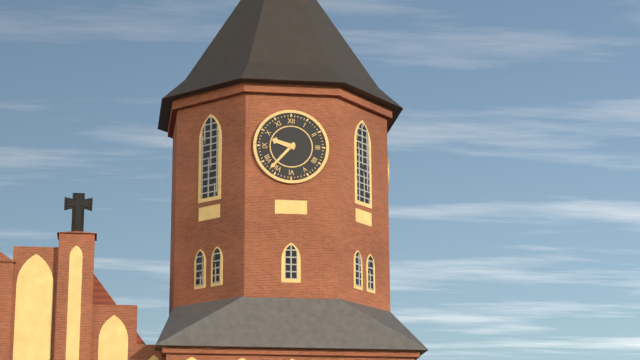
9:37
